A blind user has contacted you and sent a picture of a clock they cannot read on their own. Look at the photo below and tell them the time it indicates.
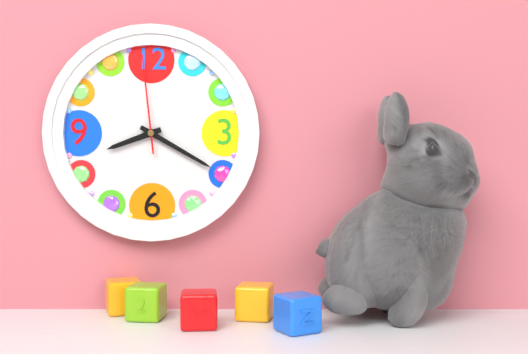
8:20:59
